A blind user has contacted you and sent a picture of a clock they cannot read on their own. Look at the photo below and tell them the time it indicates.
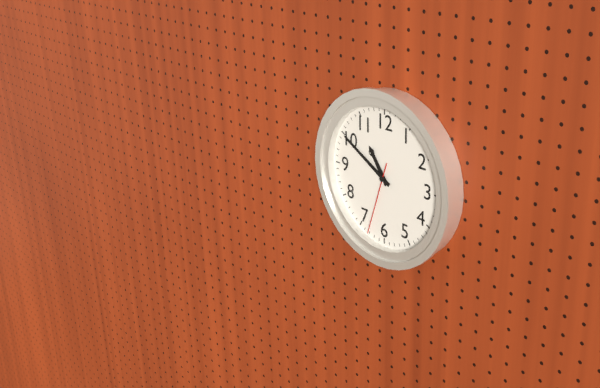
10:50:33
